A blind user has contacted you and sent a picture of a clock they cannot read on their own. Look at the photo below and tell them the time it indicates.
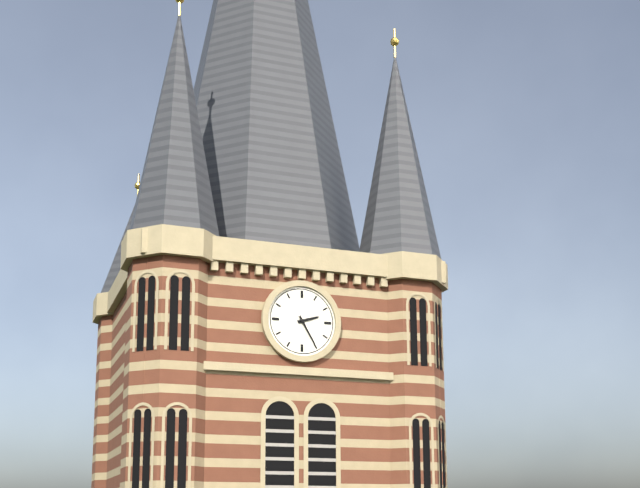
2:25
